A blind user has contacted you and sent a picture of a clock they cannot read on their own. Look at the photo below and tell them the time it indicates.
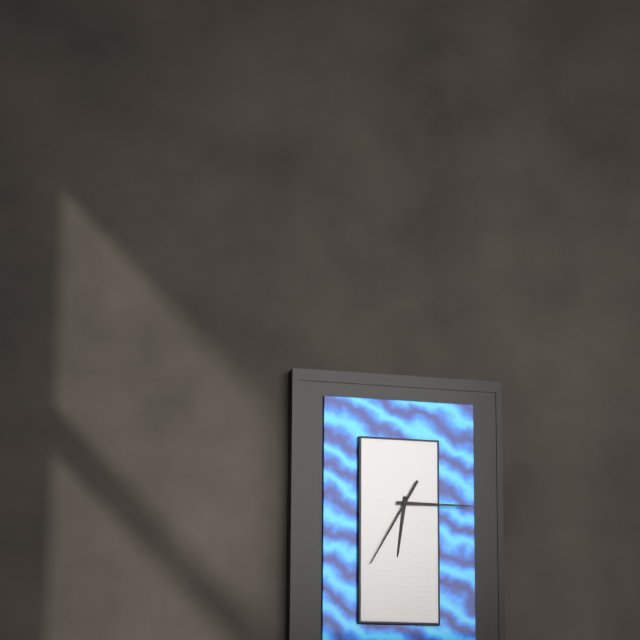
6:15:35
